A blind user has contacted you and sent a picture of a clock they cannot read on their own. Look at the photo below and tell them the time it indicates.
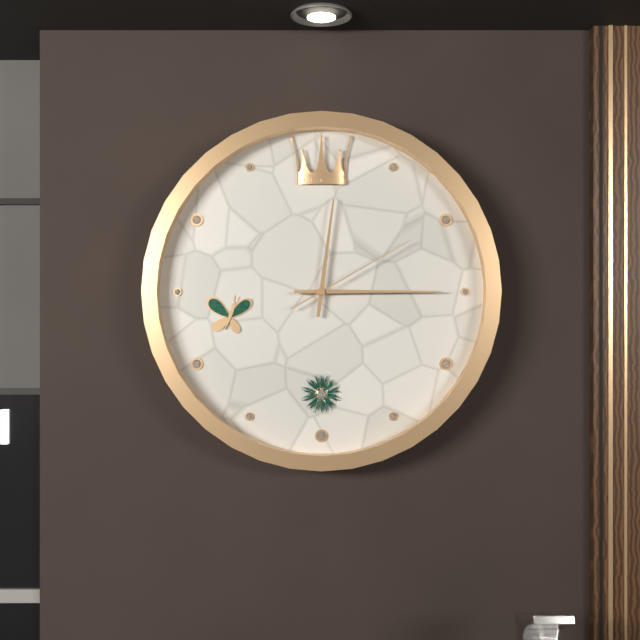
12:15:10
